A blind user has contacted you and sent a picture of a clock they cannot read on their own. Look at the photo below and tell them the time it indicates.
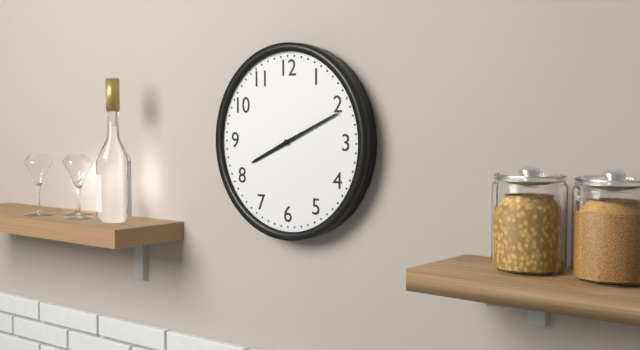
8:11
